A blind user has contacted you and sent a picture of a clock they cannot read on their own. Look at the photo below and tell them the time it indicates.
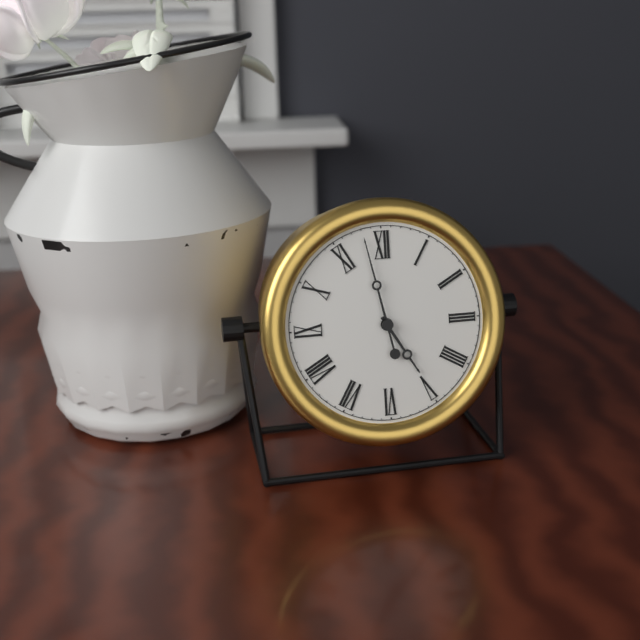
4:58
